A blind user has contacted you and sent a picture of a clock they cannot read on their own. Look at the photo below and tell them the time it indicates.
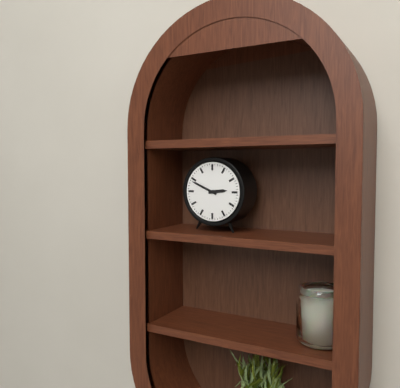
2:49
